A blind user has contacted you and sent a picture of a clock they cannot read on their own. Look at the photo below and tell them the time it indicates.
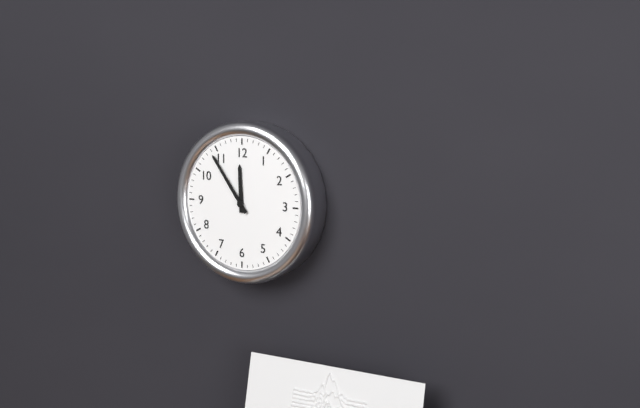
11:54
